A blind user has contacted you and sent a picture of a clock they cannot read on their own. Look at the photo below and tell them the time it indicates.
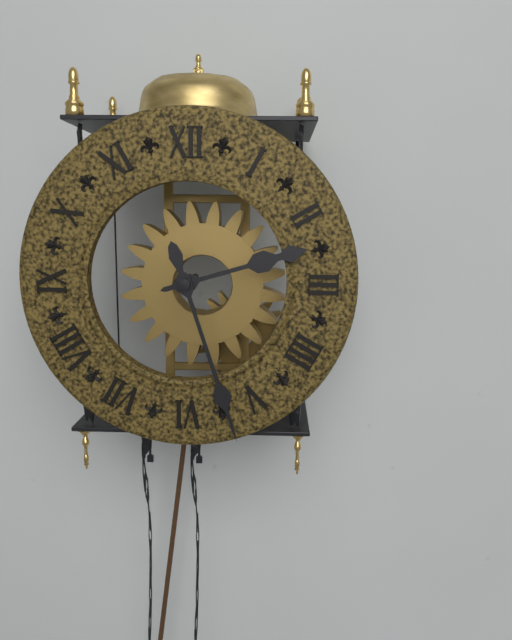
2:27
